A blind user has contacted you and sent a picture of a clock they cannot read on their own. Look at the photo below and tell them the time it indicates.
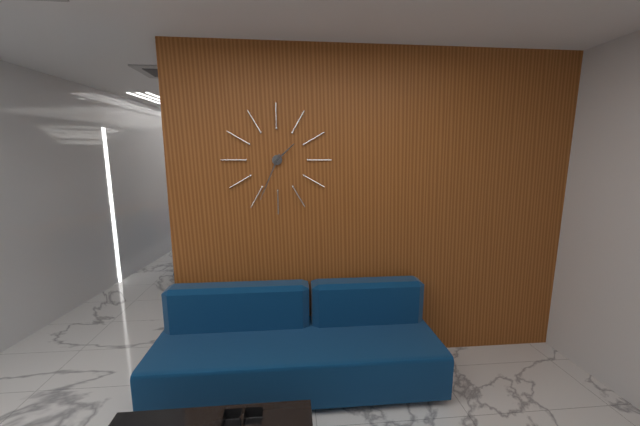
1:34
